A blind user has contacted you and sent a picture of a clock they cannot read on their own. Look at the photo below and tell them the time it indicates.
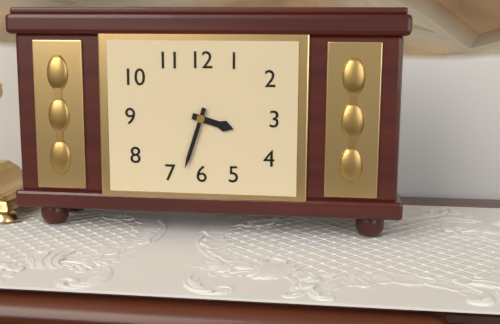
3:33
